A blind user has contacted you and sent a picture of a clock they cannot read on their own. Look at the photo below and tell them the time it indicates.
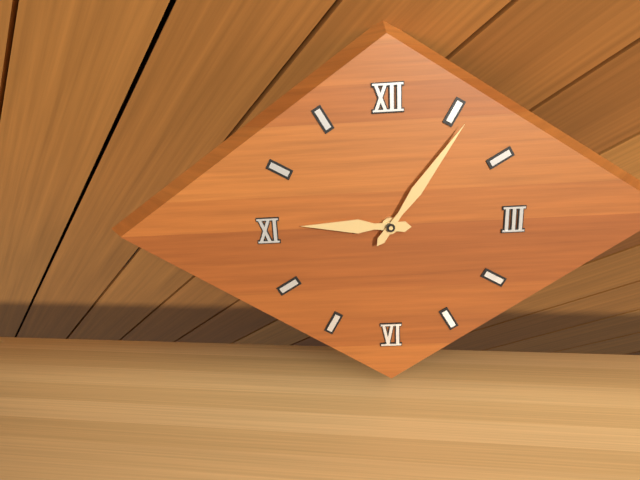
9:06
